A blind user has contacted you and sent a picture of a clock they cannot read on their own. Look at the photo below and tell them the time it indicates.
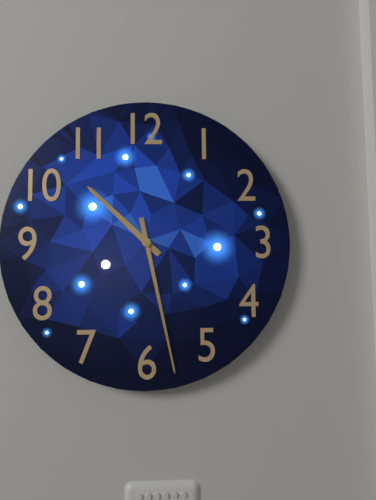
10:28
